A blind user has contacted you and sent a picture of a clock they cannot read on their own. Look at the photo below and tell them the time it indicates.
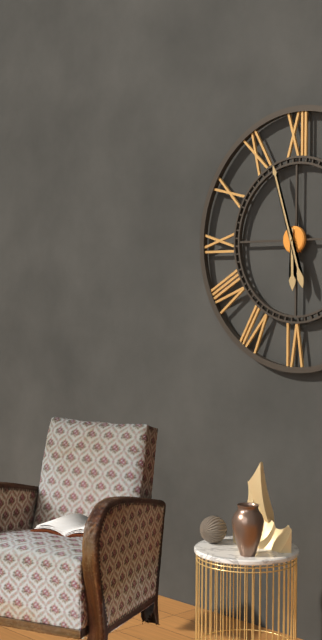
5:57
